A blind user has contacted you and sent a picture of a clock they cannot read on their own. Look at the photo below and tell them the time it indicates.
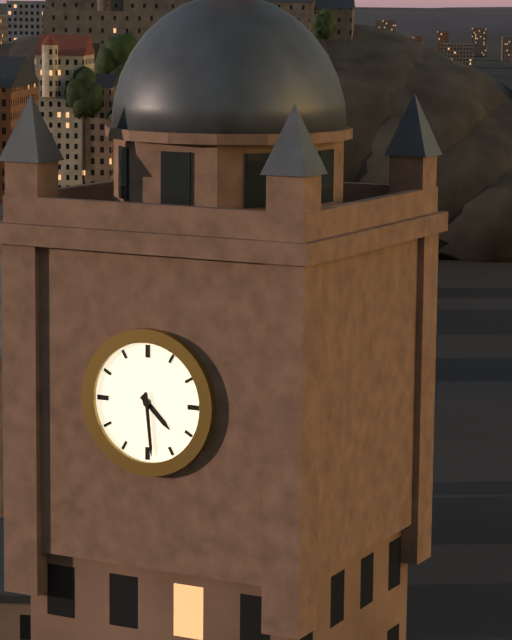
4:29
